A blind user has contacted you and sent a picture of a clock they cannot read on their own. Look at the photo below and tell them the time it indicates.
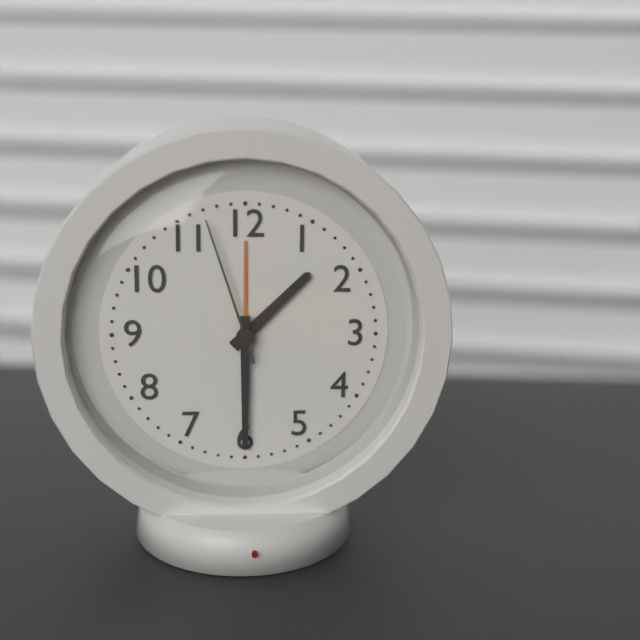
1:30:57
